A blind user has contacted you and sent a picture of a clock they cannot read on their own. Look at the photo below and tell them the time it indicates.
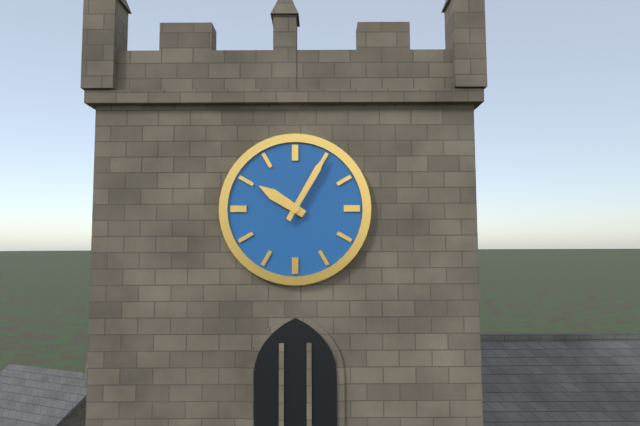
10:05
